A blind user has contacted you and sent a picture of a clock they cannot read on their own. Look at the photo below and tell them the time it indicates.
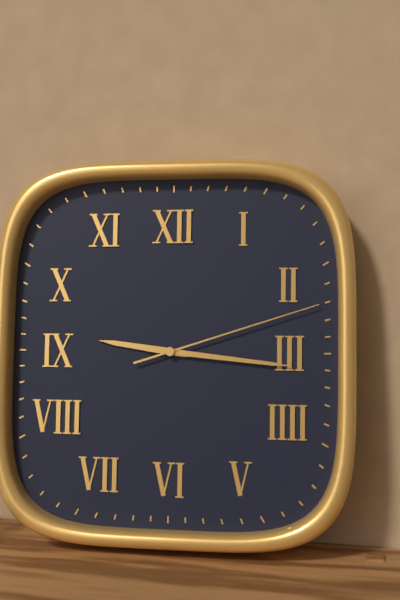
9:16:12
